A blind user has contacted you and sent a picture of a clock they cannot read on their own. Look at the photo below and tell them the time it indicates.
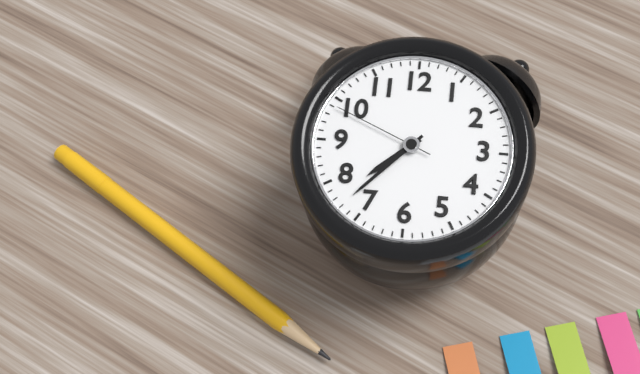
7:37:49
